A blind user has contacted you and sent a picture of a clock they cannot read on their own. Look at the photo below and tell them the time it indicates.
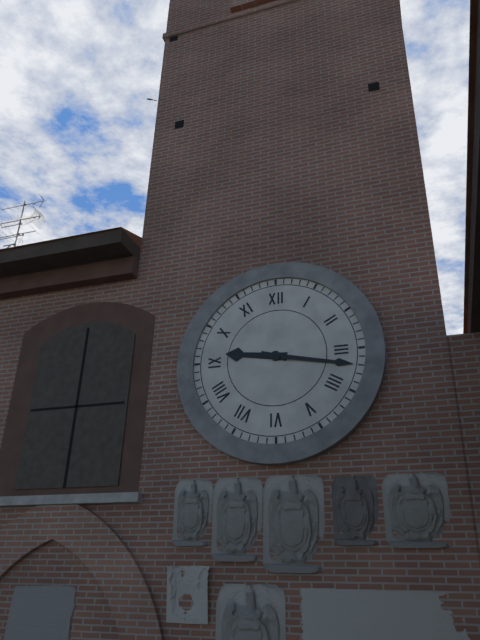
9:17
